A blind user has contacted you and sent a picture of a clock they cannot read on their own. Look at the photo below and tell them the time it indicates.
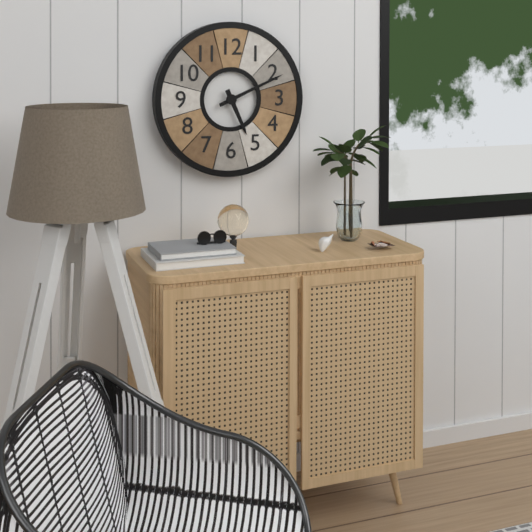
5:11
